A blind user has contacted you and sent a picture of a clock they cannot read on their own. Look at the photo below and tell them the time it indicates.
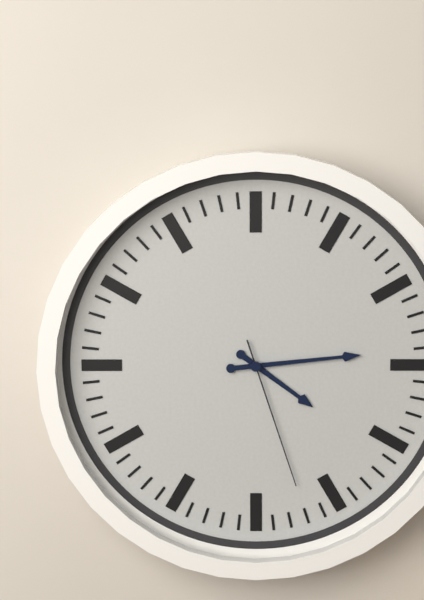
4:14:27
